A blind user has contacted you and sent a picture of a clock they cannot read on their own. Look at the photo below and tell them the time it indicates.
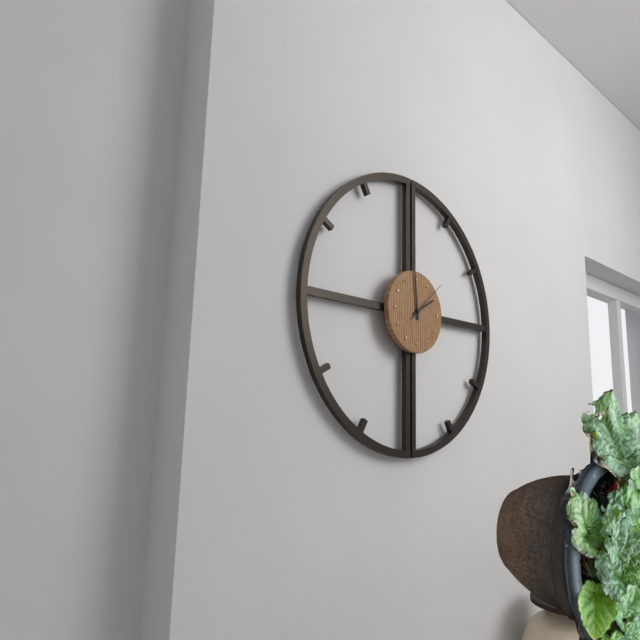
1:59:08
